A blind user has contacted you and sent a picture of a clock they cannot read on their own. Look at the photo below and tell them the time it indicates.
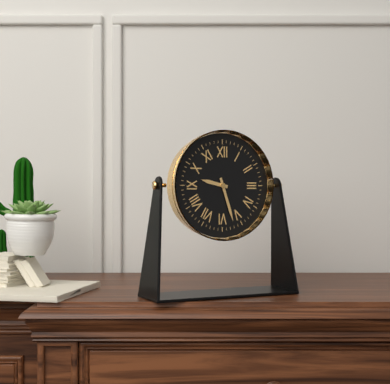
9:27
